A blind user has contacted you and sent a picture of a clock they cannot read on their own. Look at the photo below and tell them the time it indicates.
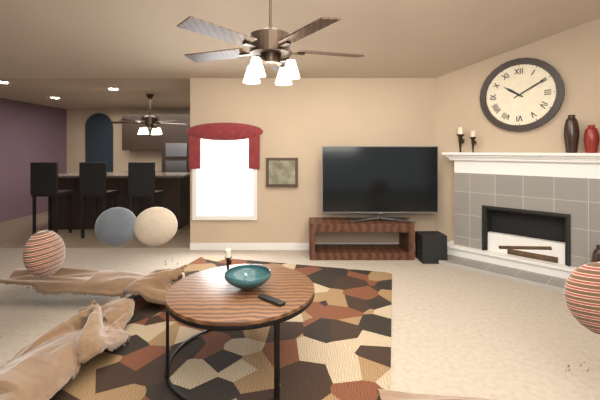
10:10
